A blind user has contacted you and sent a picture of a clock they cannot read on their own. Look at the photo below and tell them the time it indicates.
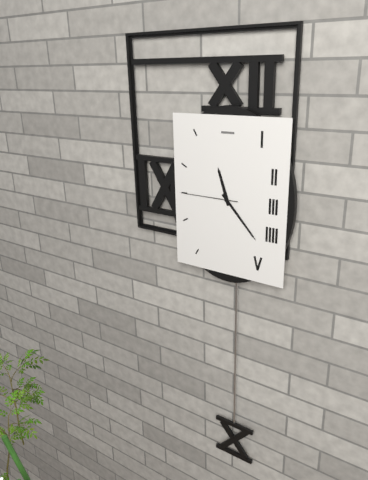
11:23:45
